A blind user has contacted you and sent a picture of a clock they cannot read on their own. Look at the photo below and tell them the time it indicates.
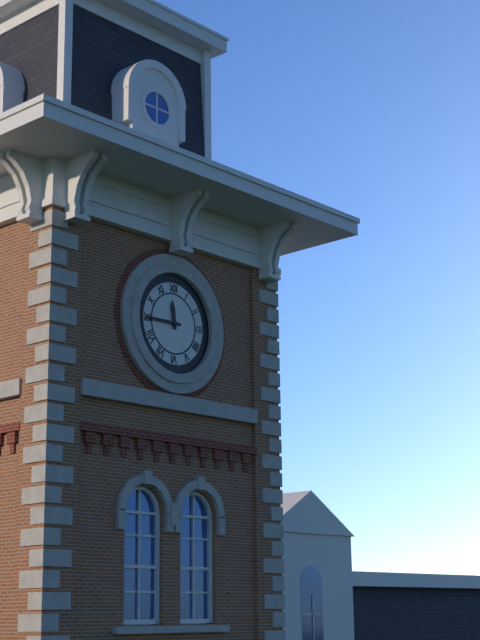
11:45
